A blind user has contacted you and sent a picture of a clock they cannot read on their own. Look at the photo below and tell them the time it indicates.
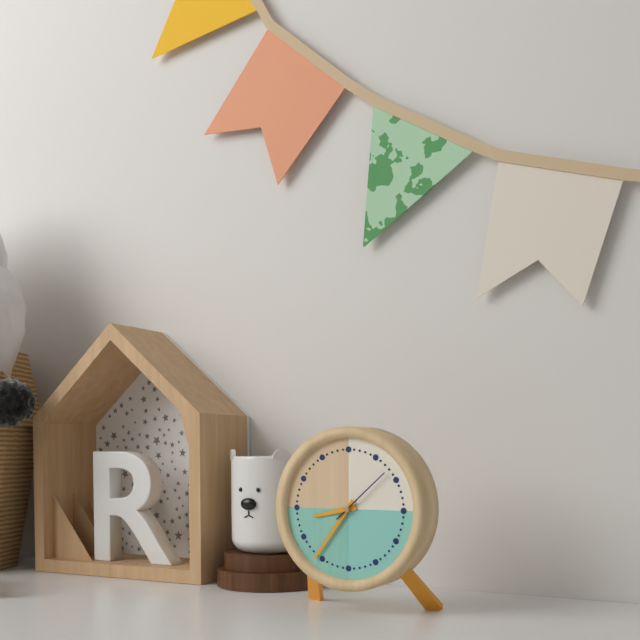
8:36:08
